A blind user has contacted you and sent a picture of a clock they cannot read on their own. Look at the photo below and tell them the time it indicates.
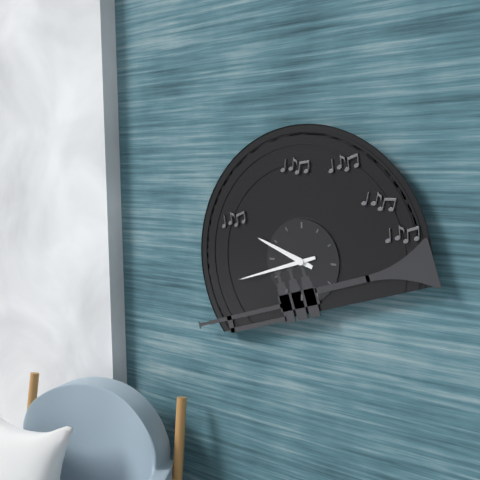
9:42
